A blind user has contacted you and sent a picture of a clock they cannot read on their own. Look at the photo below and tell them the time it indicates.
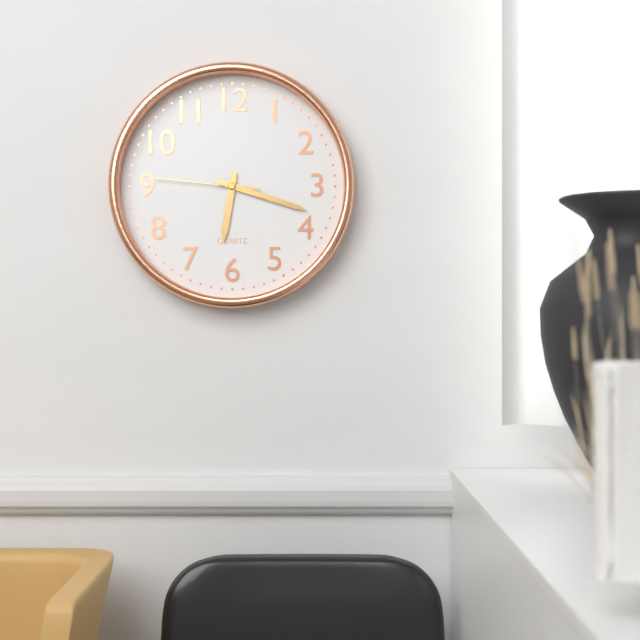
6:18:46
